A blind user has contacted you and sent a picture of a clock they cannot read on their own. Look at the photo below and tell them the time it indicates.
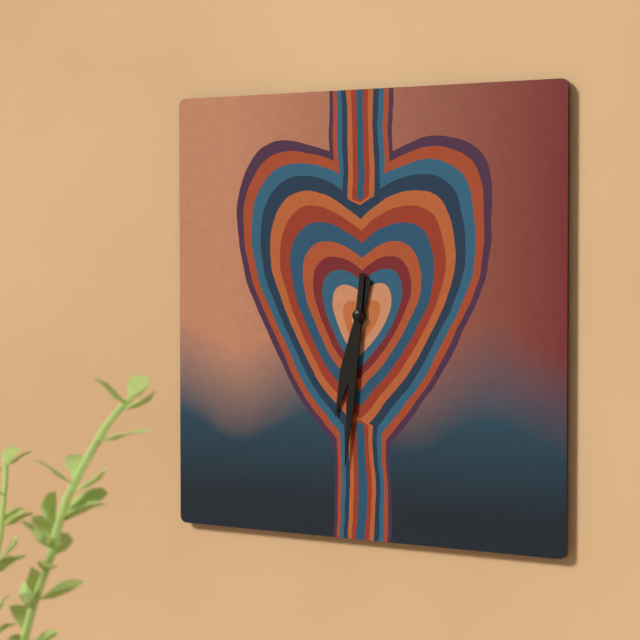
6:31
